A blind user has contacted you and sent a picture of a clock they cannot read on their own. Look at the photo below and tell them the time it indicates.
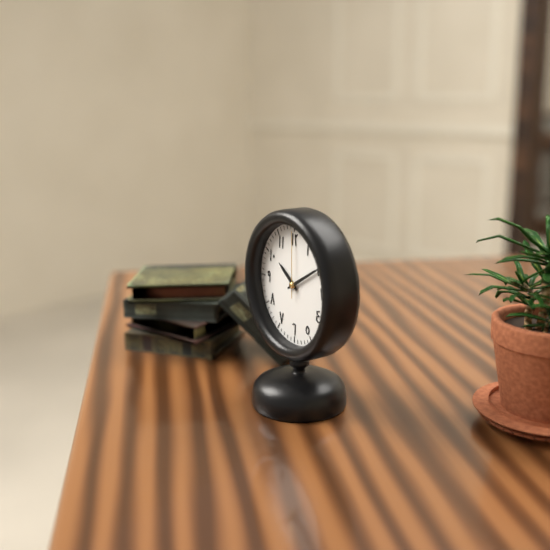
10:10:00
